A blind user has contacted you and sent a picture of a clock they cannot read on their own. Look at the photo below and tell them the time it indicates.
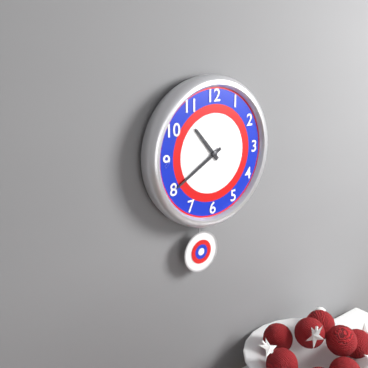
10:40
